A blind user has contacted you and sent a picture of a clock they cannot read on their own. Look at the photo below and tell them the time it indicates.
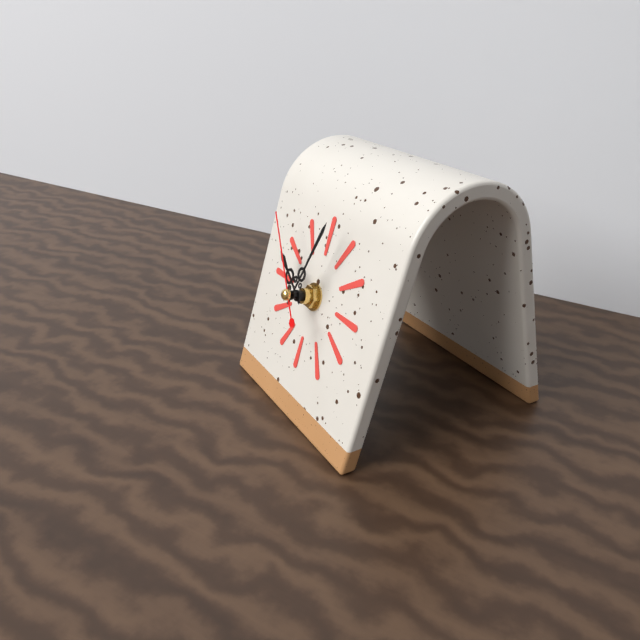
10:03:53
